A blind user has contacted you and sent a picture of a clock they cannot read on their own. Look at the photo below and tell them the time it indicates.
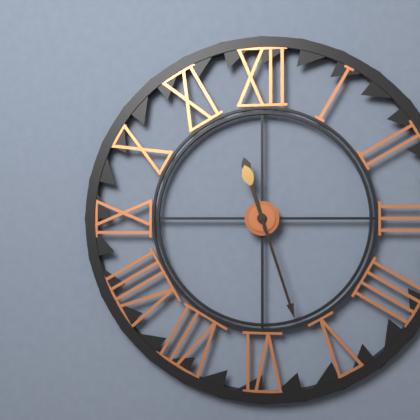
11:27
